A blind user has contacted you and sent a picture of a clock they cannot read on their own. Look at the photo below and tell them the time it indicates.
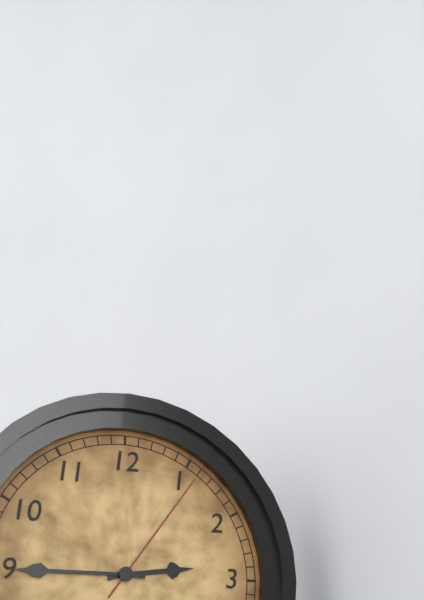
2:45:06
